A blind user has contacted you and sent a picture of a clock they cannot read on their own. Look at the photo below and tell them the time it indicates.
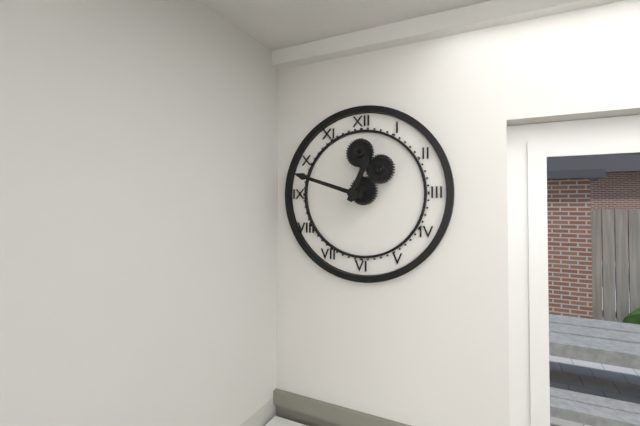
12:48
